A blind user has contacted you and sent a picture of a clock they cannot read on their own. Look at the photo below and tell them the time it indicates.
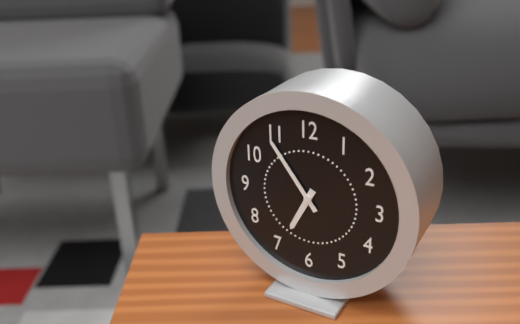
6:54
